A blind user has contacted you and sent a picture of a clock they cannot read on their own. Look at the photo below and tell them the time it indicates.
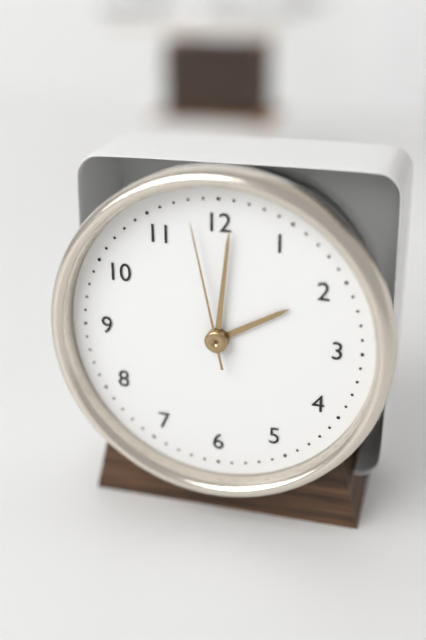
2:01:58
